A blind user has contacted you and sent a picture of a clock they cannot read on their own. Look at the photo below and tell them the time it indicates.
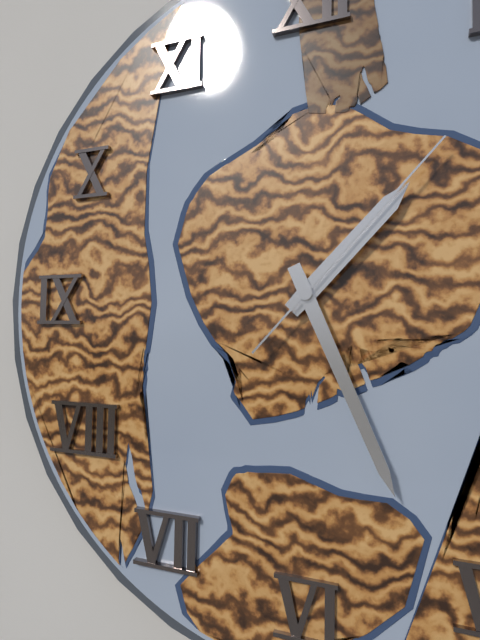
1:26:07
